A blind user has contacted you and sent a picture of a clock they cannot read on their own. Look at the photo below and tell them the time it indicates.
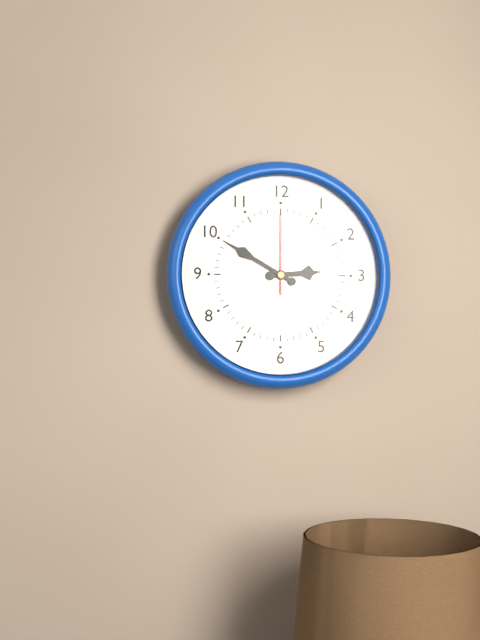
2:50:00
